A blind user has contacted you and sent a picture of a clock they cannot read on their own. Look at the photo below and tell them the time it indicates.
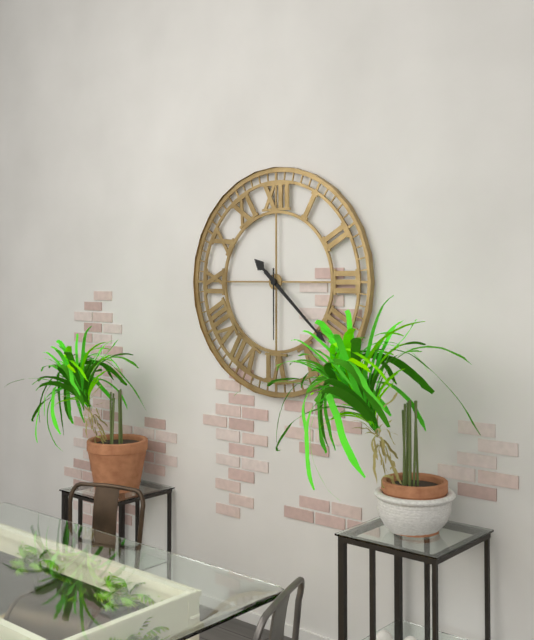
10:22:30
